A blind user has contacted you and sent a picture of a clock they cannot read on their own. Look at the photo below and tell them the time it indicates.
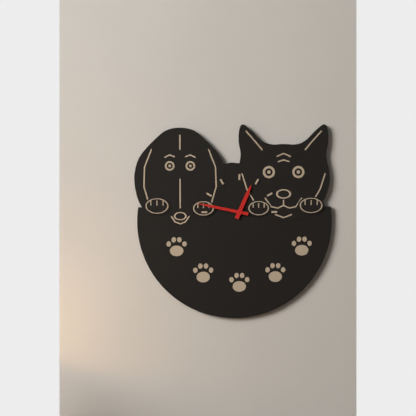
12:47
